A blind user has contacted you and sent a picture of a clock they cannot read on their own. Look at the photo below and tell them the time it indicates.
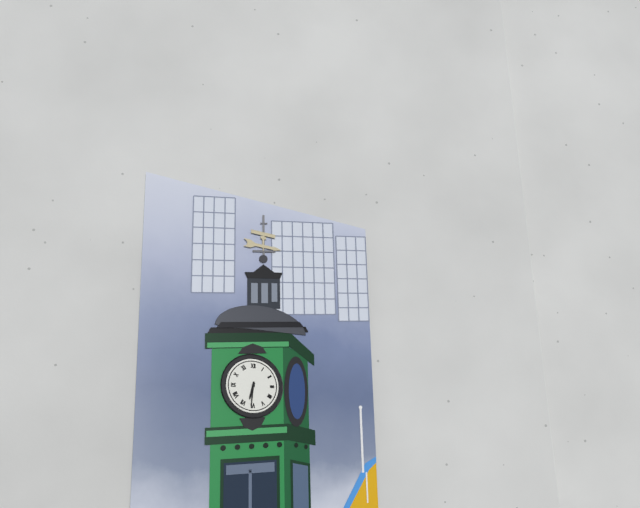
6:31
